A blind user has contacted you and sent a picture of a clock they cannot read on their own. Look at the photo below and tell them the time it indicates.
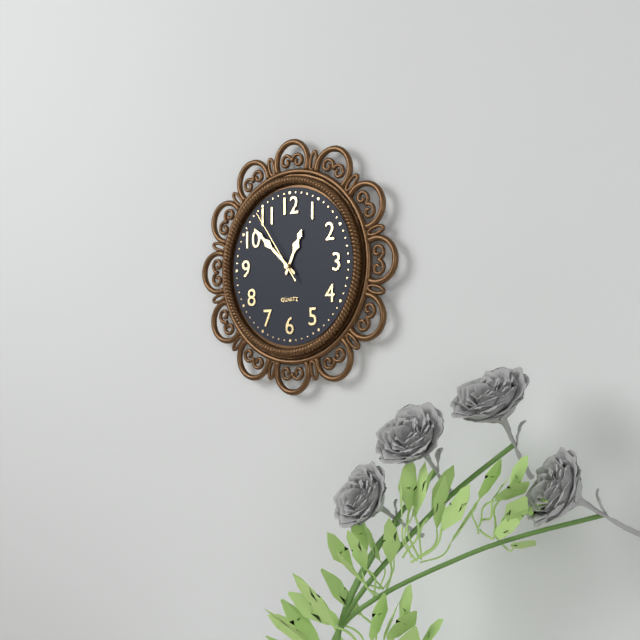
12:52:54
